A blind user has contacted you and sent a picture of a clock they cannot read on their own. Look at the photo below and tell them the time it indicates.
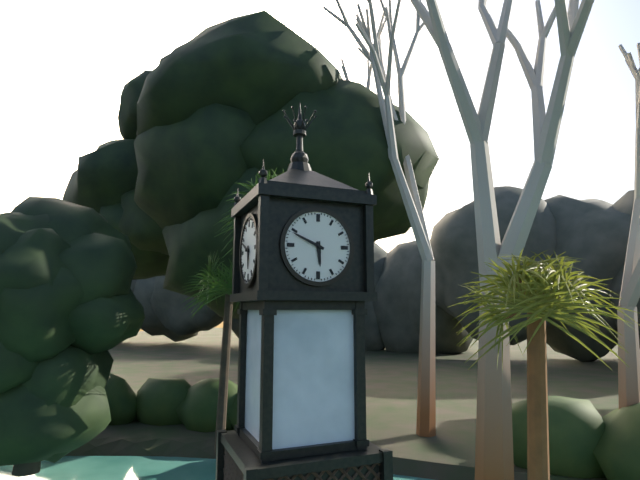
5:49
